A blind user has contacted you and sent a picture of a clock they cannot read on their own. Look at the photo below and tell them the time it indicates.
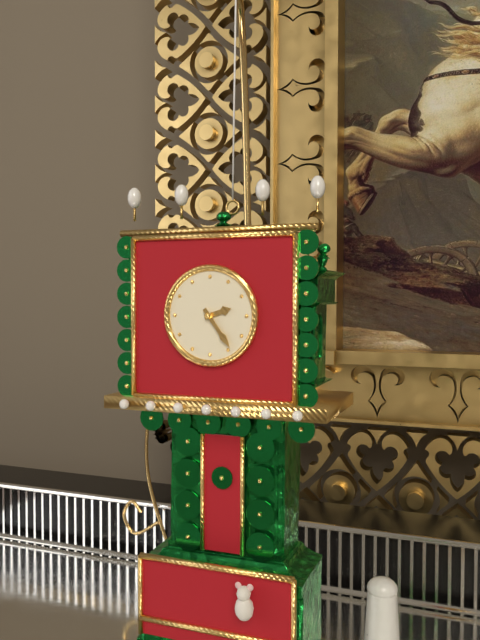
2:24
